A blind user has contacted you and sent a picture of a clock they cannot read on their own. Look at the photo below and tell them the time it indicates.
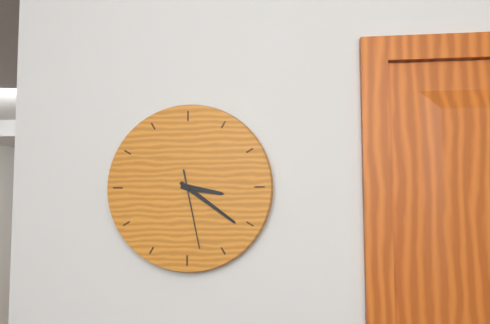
3:21:28
